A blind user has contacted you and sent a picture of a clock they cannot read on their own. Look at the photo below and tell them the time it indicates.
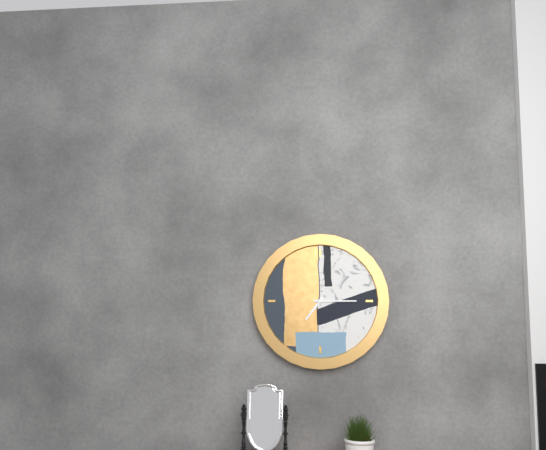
7:15
